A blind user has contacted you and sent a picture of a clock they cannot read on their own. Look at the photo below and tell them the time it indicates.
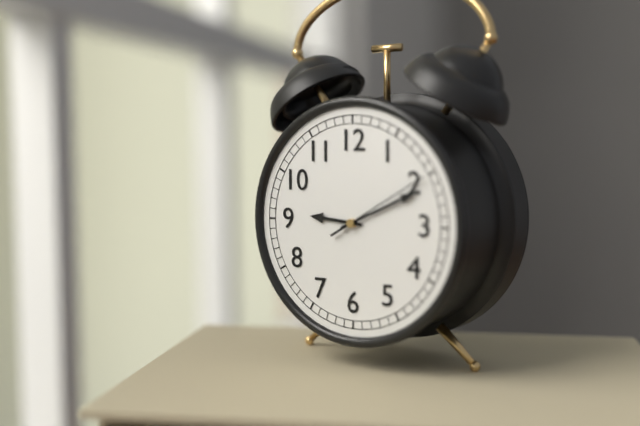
9:11:10
